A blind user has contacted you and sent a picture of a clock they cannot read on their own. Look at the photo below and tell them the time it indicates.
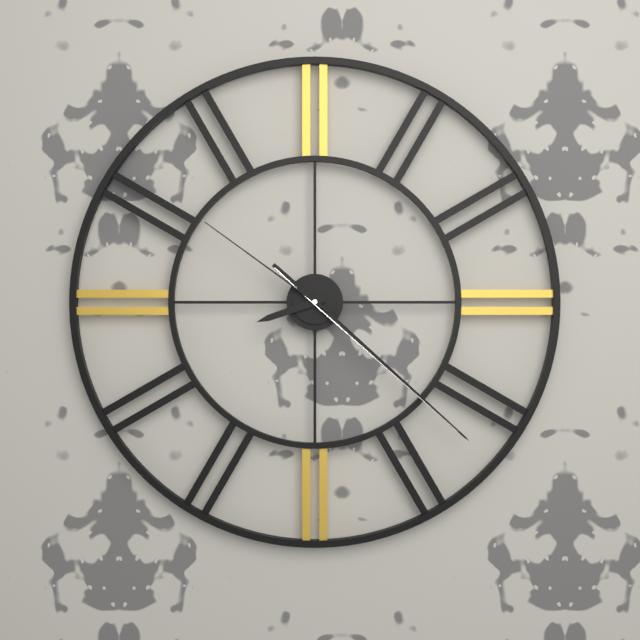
8:22:51
